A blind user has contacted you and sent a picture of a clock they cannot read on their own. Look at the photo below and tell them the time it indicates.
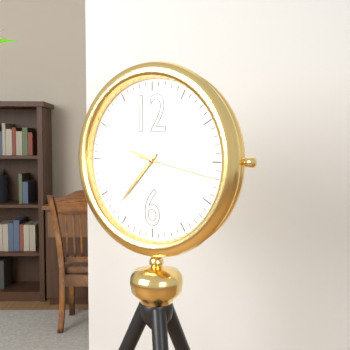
9:37:17
